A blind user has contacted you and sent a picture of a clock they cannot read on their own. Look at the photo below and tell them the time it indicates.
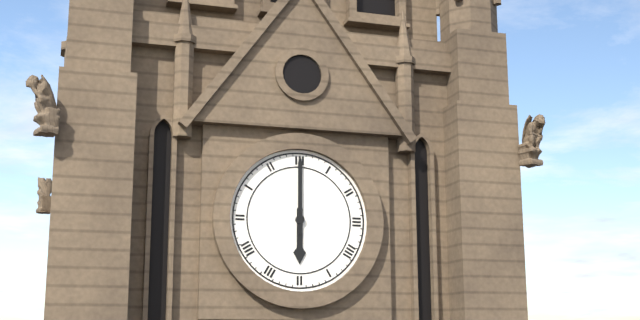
6:00
